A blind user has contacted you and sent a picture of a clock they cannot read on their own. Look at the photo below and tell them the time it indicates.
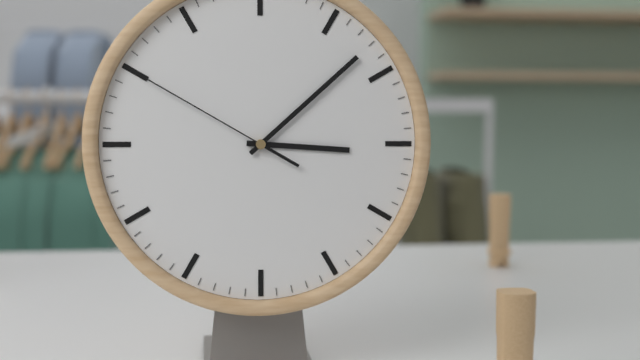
3:08:50
